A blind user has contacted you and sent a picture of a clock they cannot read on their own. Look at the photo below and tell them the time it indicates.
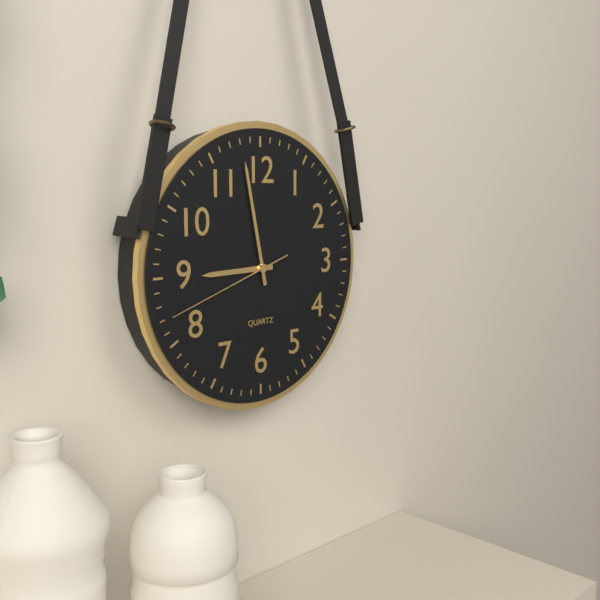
8:58:42
